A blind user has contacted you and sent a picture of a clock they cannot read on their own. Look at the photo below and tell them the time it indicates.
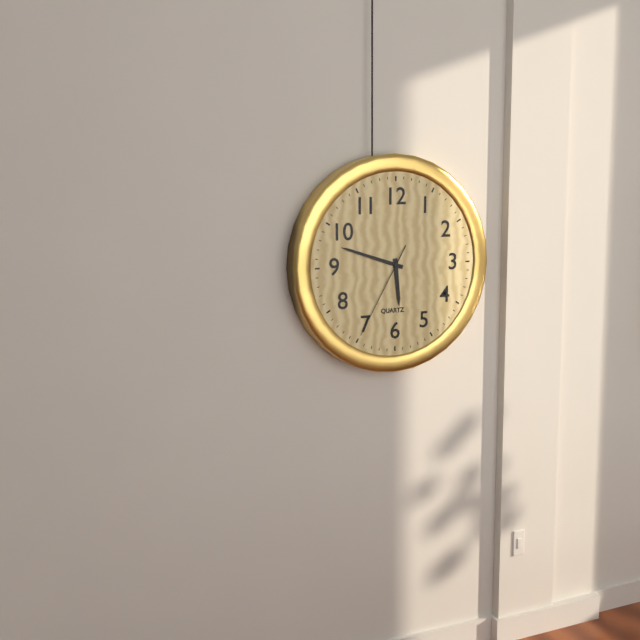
5:48:35
